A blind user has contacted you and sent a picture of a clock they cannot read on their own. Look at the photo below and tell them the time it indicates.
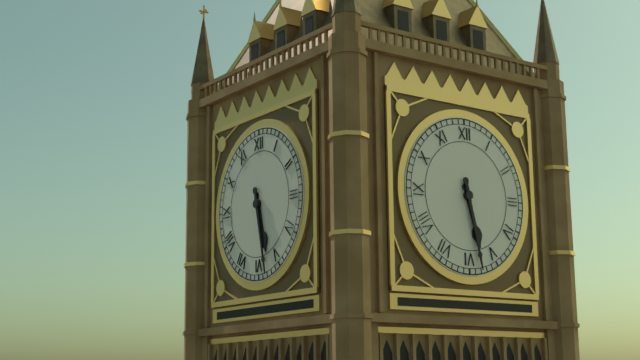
5:28
